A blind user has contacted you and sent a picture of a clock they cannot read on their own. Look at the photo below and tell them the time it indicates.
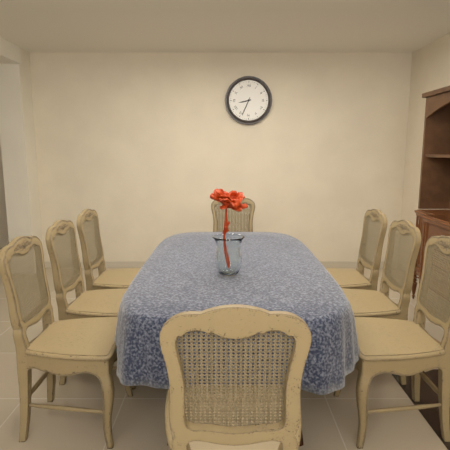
8:34
